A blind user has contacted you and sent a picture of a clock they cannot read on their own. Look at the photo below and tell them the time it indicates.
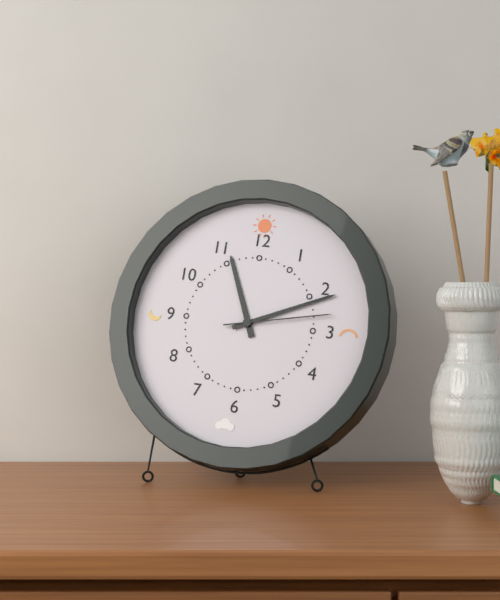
11:11:13
